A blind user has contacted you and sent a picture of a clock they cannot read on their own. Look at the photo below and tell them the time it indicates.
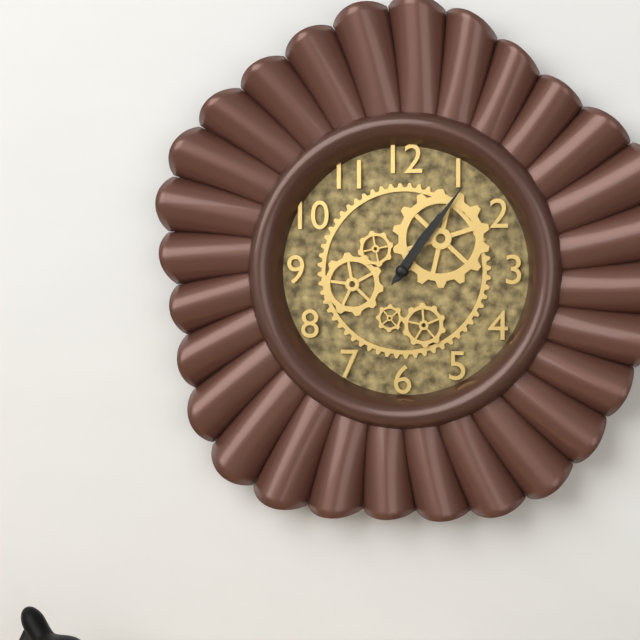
1:06
